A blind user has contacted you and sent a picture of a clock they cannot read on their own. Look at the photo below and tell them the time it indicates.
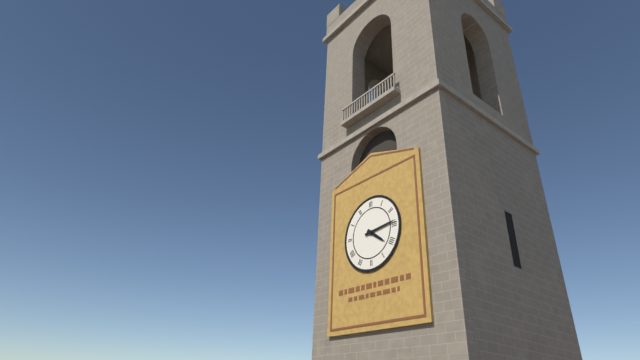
4:14
